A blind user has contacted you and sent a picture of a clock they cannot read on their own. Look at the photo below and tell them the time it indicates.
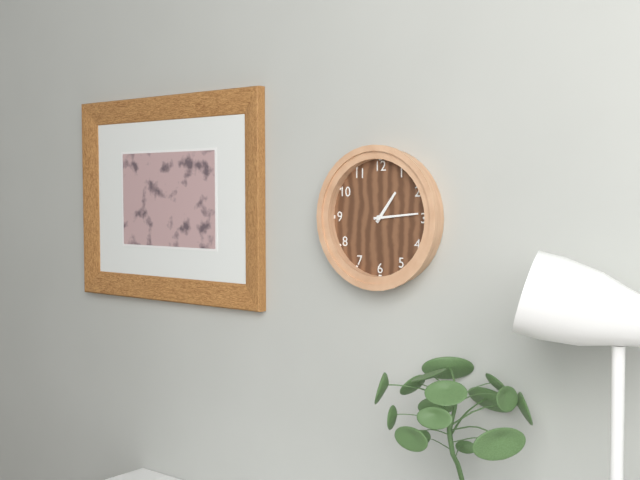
1:14
